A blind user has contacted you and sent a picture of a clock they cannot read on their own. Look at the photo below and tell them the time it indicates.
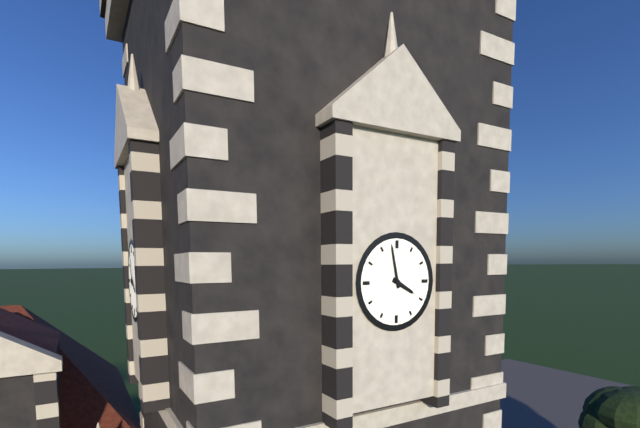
3:58
